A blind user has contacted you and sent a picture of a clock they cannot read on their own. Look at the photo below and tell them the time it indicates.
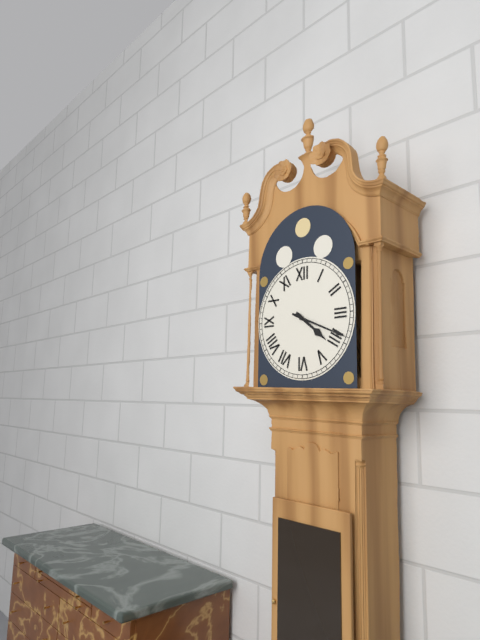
4:19
